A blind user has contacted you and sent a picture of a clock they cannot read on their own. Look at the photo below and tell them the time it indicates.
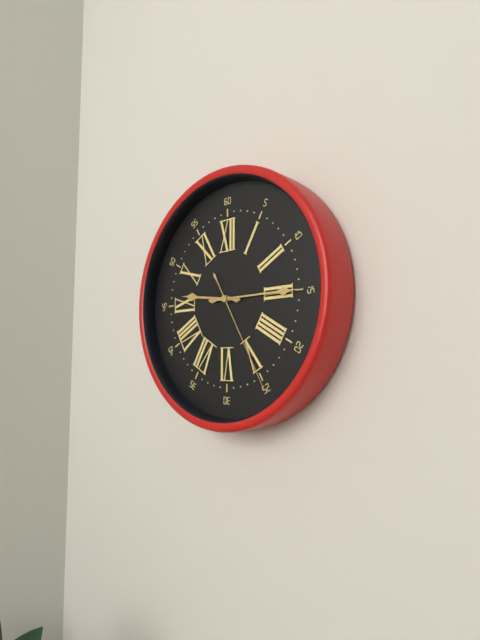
9:15:25
